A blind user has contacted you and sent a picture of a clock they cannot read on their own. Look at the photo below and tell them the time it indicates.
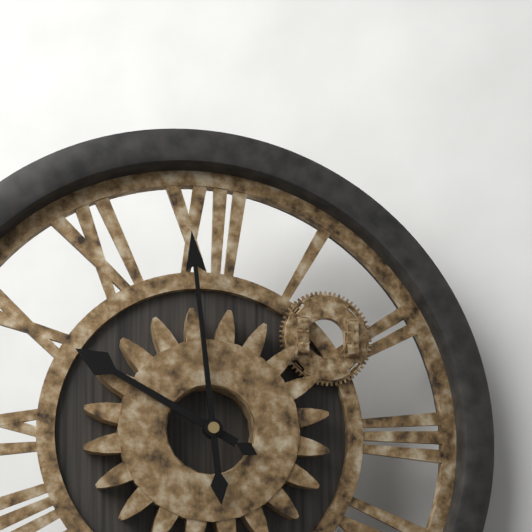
9:59
